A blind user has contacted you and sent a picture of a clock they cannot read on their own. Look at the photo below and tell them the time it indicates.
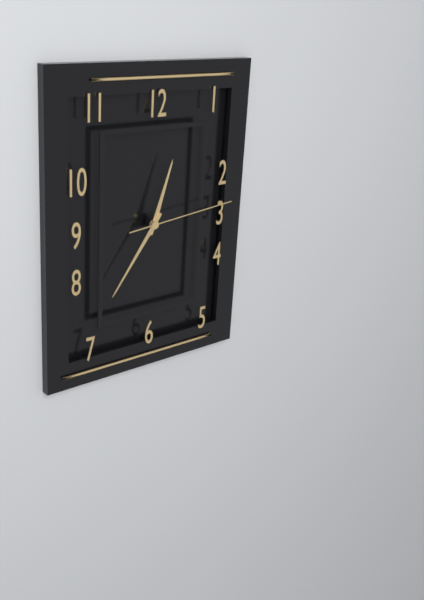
12:36:14
